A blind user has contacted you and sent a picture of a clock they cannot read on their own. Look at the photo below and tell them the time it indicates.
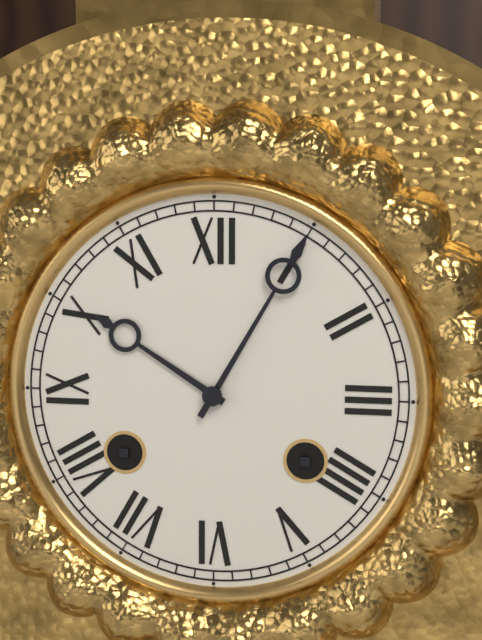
10:05
